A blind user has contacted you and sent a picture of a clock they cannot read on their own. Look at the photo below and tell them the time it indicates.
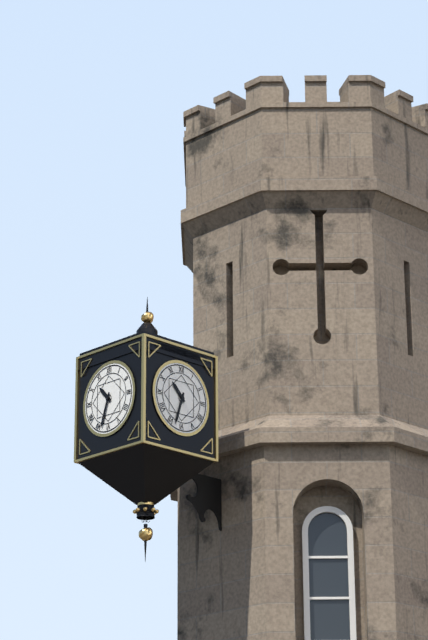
10:33
